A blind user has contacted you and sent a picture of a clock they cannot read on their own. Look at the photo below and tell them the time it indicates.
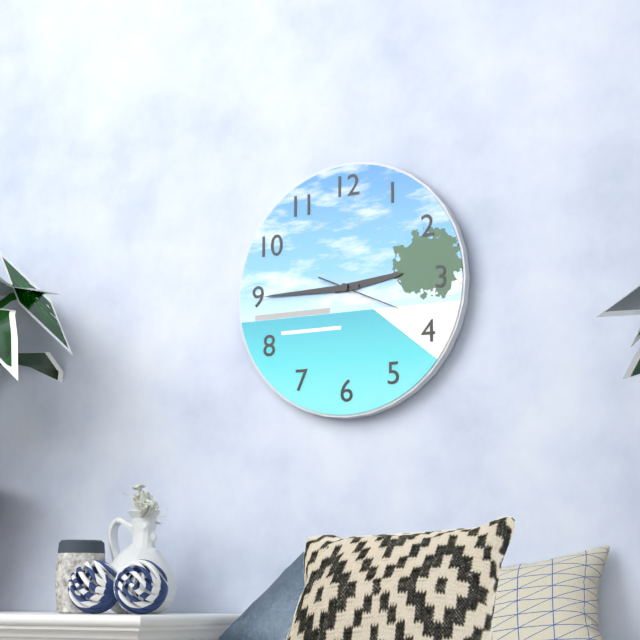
2:45:19
